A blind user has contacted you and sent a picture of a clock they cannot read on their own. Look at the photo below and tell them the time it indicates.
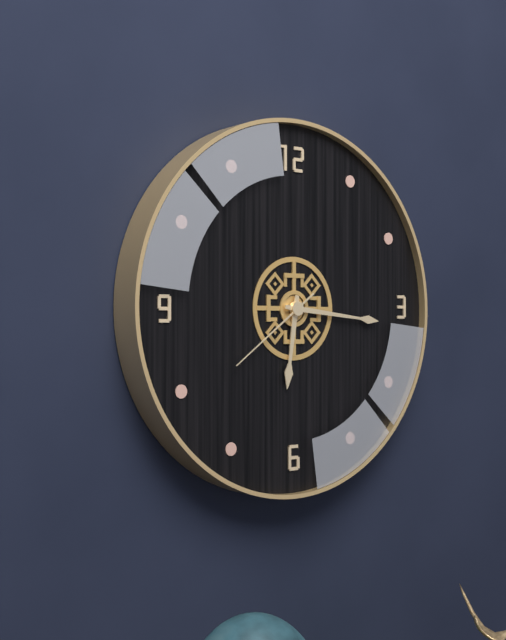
6:16:39
